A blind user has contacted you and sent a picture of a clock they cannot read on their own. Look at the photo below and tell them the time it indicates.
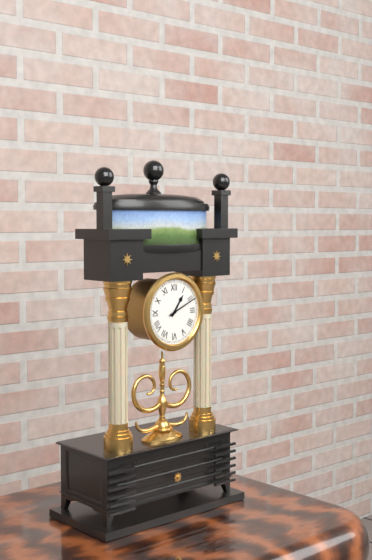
1:11
